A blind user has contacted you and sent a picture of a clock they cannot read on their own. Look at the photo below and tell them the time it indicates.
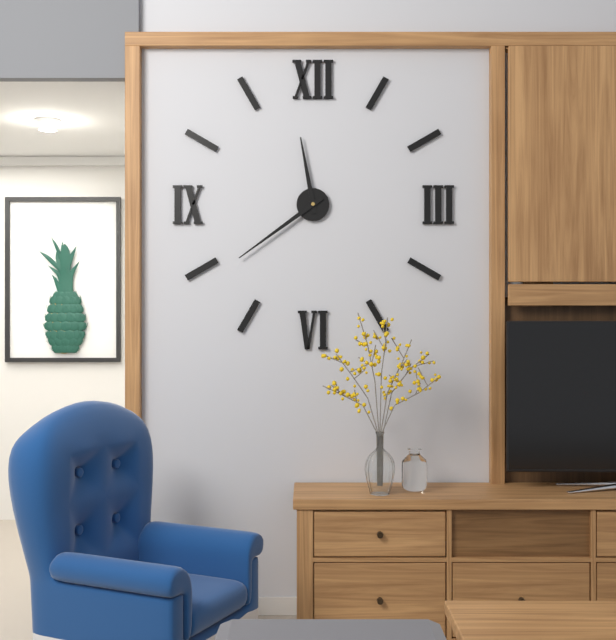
11:39
